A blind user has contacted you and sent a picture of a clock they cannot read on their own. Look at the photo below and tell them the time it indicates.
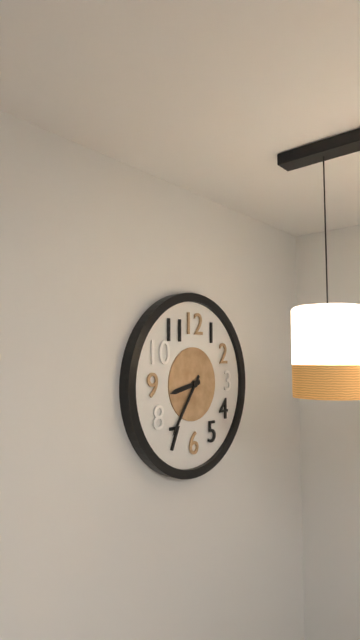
8:36
